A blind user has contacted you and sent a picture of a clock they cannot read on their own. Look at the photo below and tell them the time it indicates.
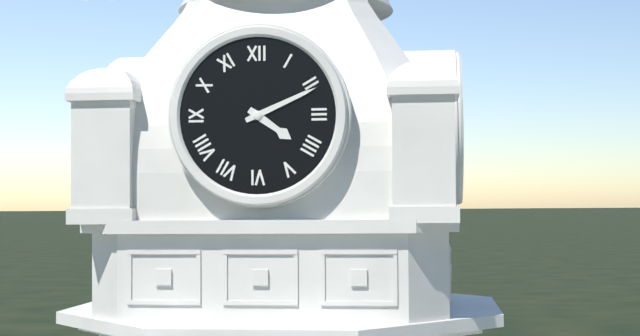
4:11
